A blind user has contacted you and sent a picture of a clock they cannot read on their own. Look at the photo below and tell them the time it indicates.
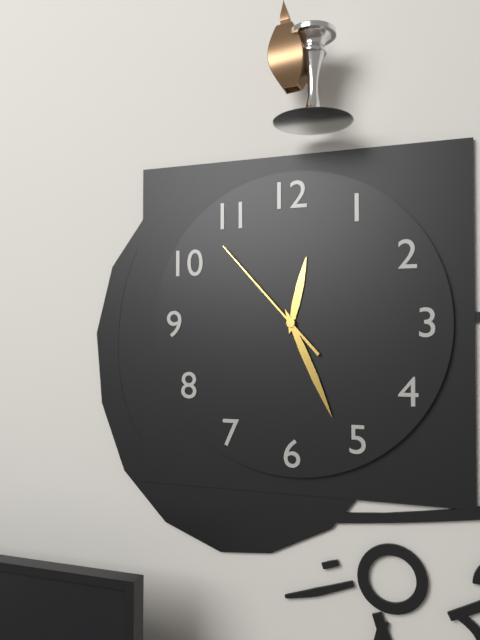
12:26:53
